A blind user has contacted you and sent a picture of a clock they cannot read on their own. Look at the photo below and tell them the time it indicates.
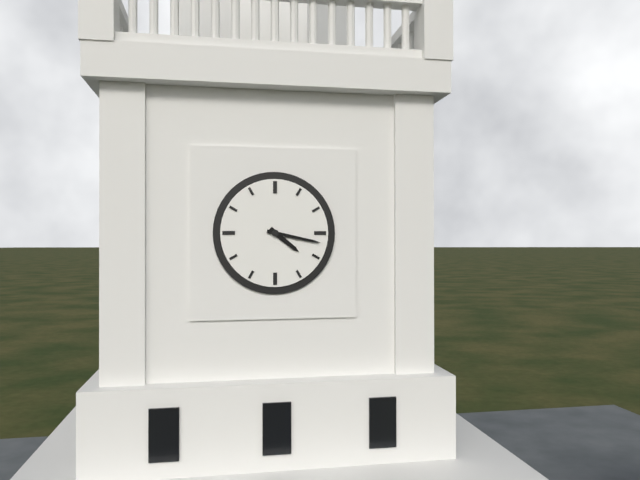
4:17
